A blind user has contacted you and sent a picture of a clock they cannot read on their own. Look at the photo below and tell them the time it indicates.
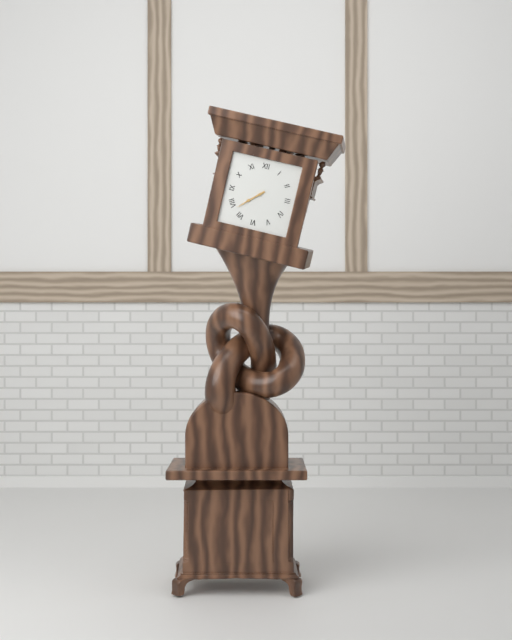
7:38
